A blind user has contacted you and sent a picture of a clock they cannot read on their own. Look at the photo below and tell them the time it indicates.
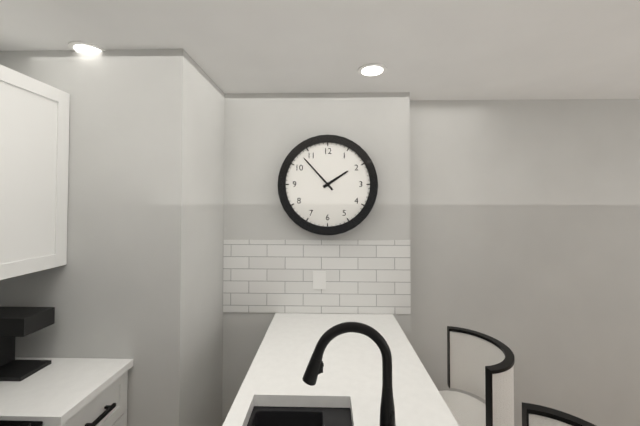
1:53
